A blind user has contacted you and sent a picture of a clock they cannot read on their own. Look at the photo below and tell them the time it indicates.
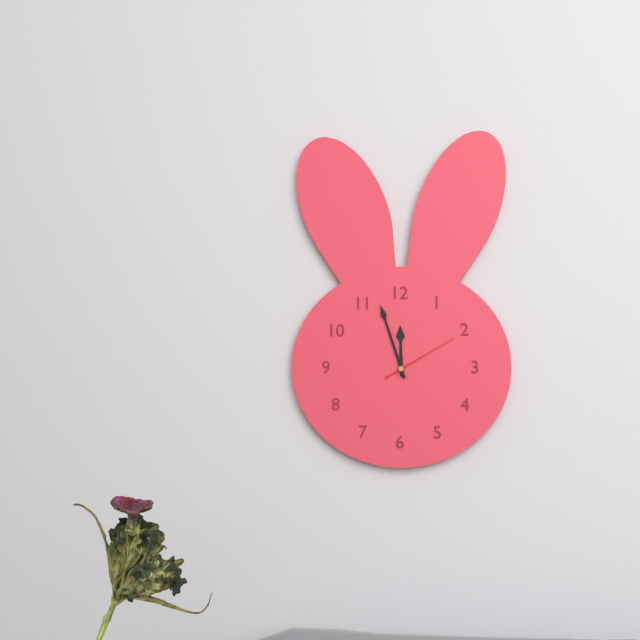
11:57:10
